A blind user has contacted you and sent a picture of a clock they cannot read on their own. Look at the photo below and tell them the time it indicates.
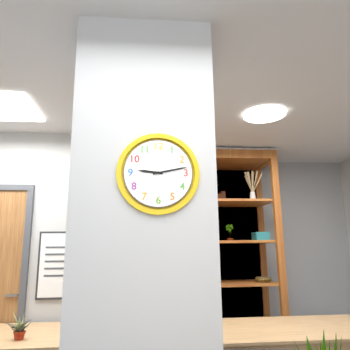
9:13
